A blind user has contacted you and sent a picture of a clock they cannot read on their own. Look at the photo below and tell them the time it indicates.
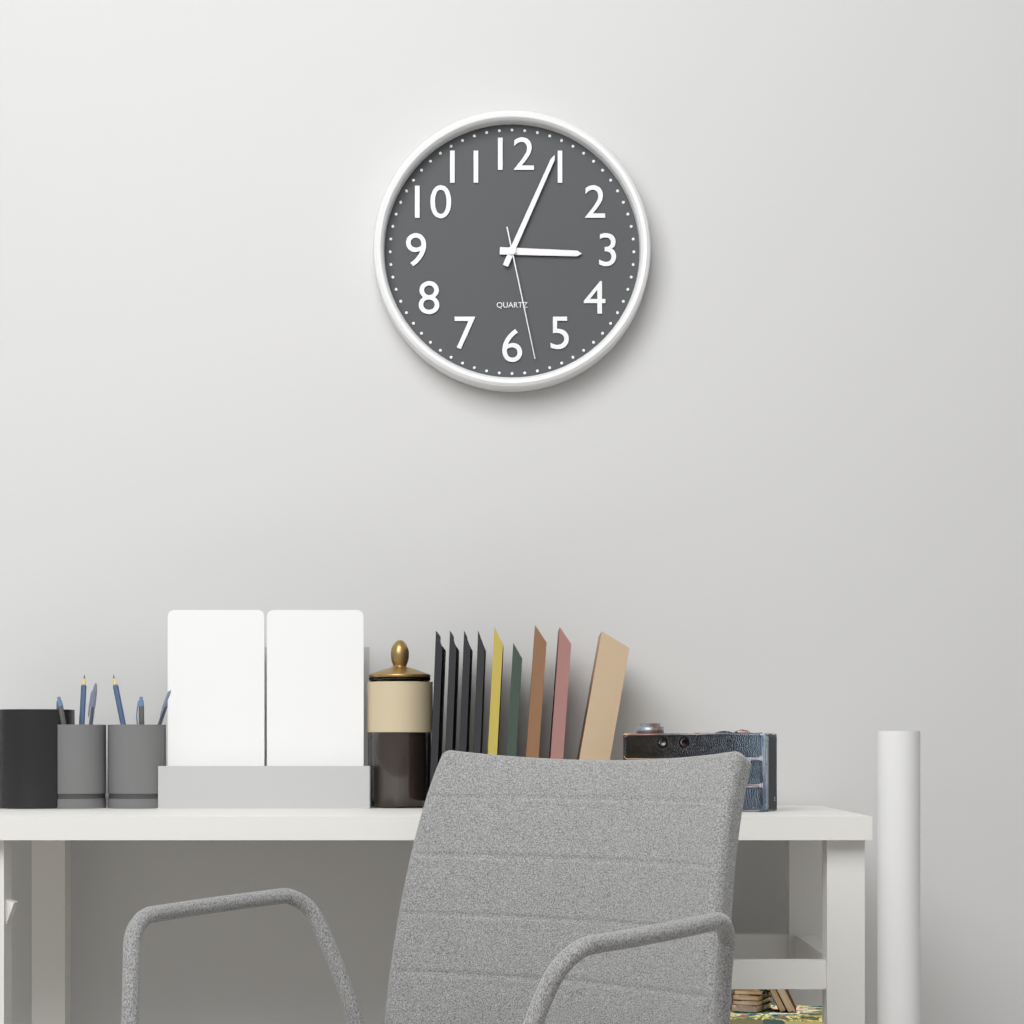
3:04:28
